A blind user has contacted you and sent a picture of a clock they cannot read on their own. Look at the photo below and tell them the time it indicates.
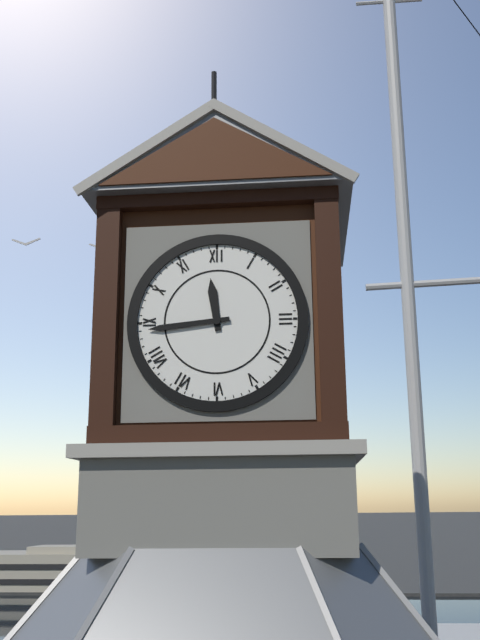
11:44
